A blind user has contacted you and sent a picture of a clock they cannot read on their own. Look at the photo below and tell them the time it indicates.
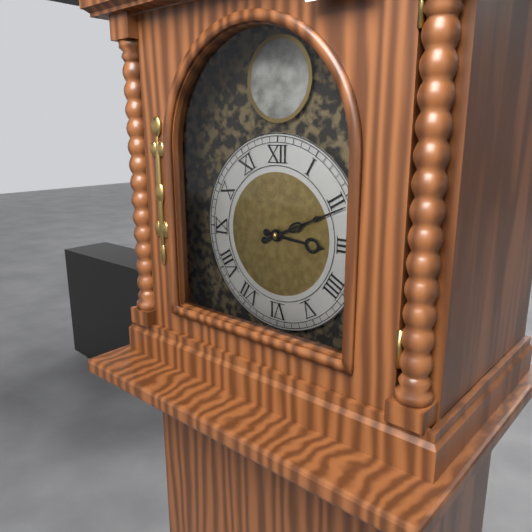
3:11
